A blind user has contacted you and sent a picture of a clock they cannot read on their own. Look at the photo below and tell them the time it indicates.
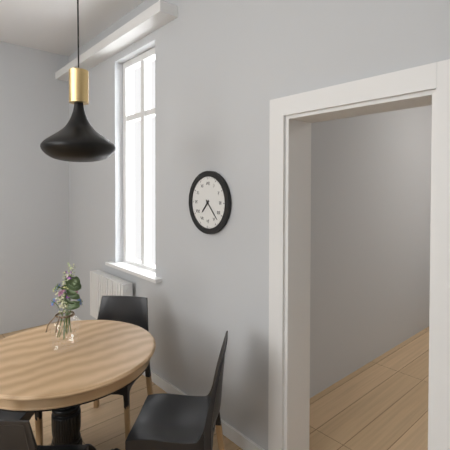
7:23
